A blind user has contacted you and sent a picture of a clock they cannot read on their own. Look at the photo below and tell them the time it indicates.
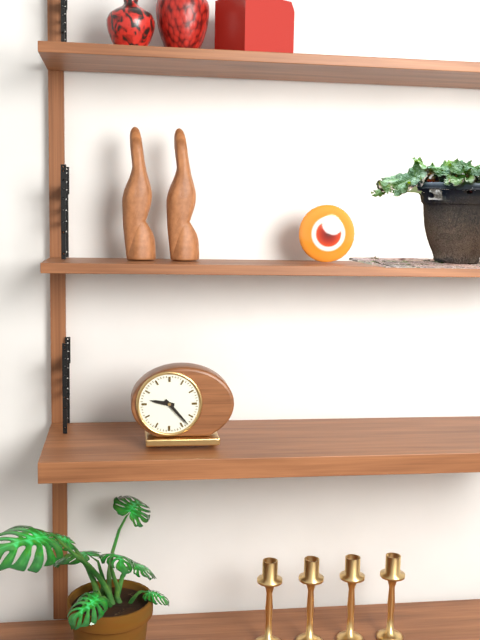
9:23
